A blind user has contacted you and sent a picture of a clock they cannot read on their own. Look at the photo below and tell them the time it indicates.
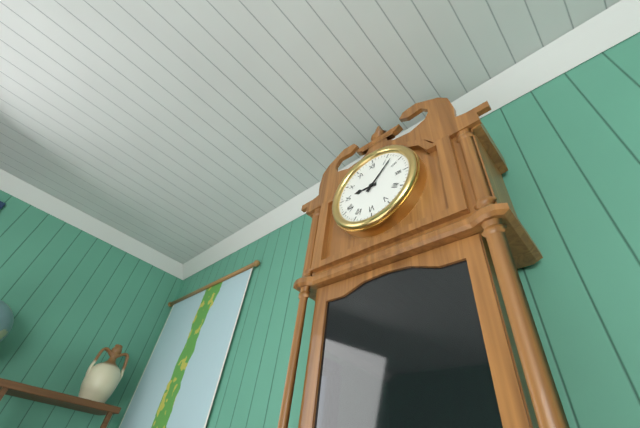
9:07
